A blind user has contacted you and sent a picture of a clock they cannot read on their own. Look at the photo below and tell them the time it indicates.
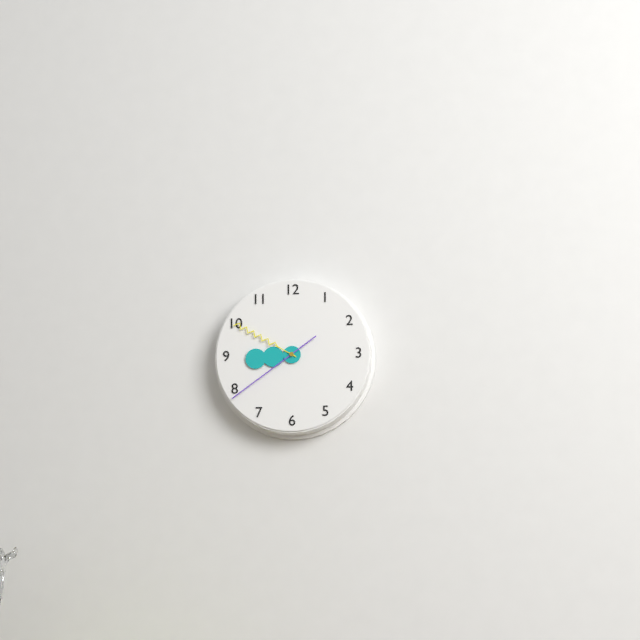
8:50:39
